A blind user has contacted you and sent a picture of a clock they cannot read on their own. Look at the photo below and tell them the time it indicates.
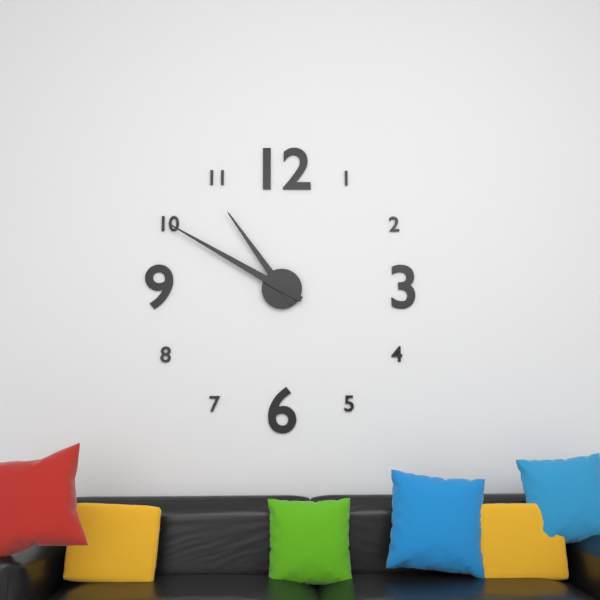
10:50
